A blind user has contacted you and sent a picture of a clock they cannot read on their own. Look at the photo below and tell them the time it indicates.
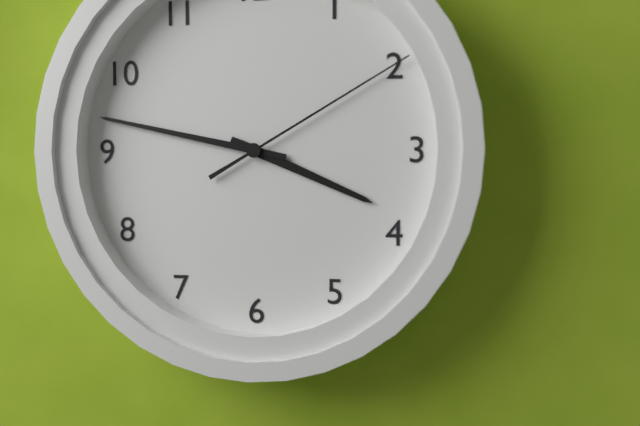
3:47:10
